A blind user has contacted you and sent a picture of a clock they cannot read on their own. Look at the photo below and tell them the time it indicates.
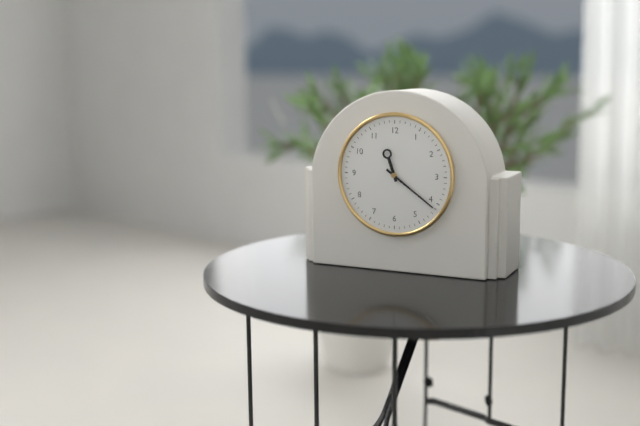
11:21
